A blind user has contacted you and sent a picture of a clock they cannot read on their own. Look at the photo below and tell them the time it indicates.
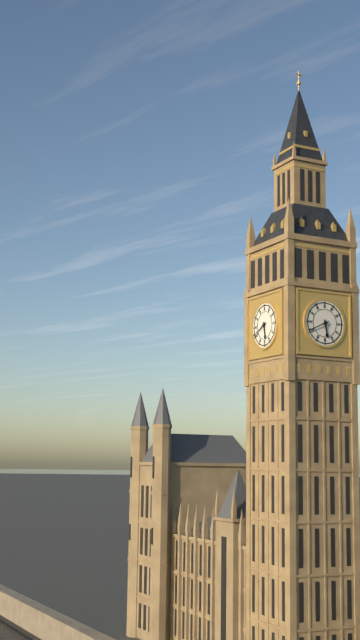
5:41
